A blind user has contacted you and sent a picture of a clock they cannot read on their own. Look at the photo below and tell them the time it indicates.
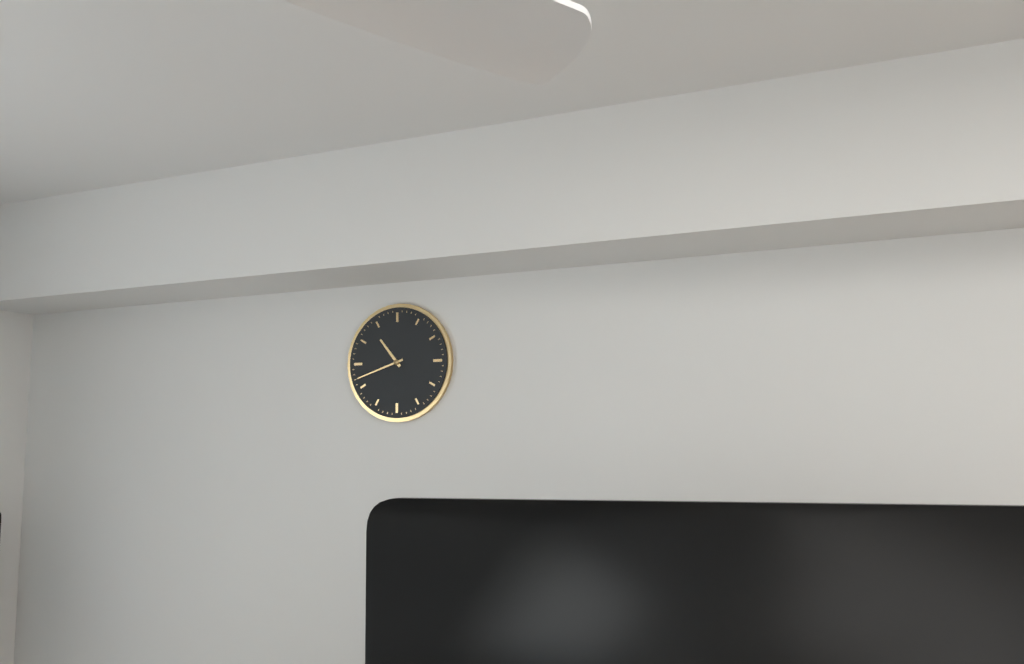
10:42
